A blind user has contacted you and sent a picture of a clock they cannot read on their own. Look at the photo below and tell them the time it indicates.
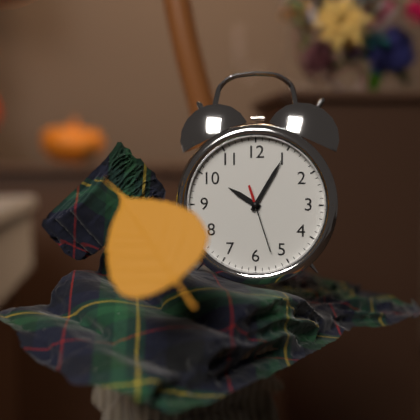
10:05:27
